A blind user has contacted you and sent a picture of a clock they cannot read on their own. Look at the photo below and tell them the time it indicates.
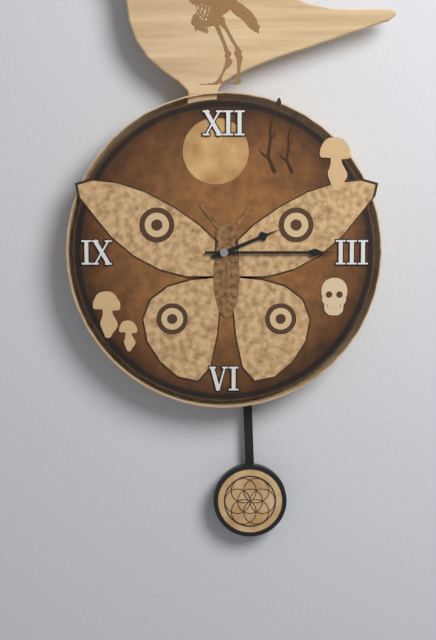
2:15
